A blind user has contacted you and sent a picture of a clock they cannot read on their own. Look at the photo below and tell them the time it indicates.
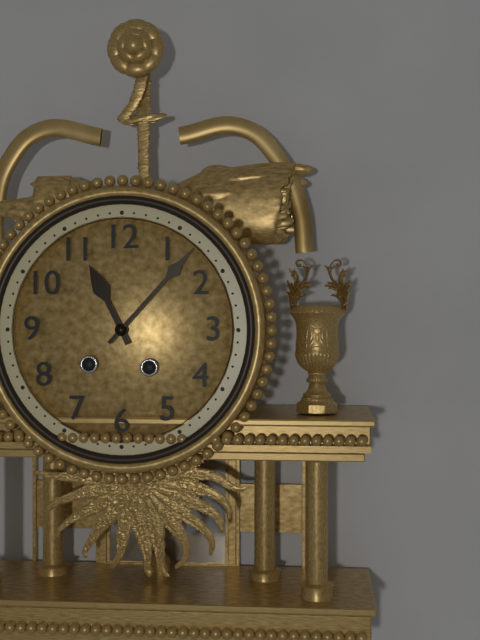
11:07
